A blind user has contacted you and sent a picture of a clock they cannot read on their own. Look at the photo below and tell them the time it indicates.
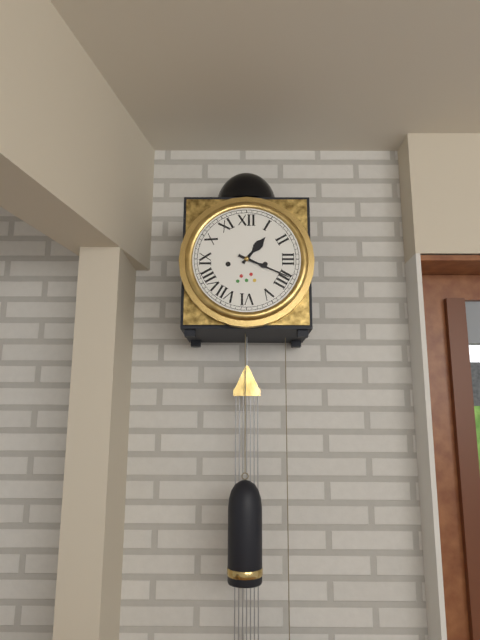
1:19
